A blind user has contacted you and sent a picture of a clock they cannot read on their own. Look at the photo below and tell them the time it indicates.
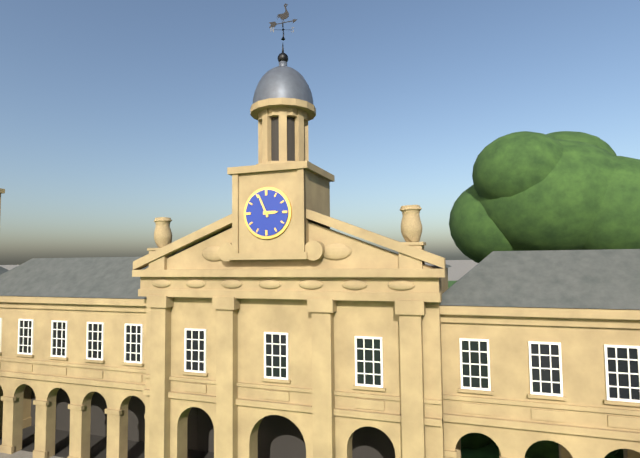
2:56
